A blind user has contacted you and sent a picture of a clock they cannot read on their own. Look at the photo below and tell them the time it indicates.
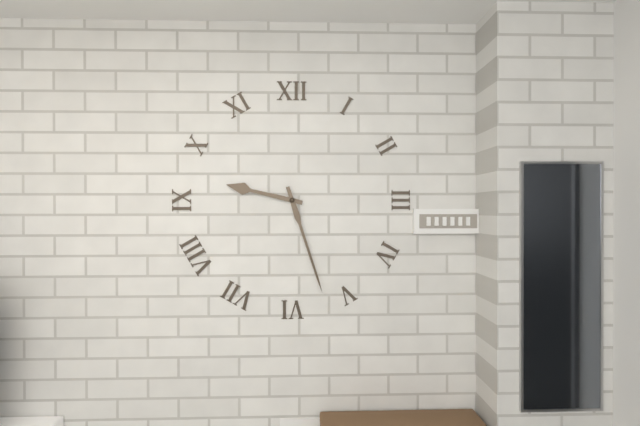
9:27
